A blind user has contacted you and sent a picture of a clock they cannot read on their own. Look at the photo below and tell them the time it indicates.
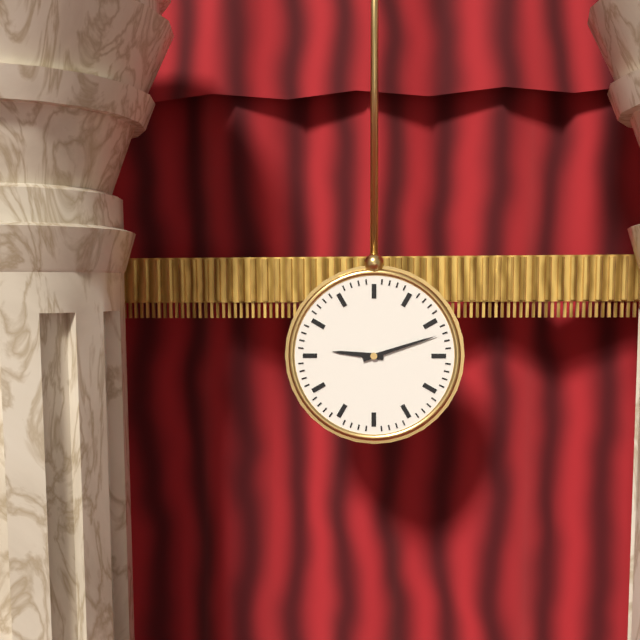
9:12
